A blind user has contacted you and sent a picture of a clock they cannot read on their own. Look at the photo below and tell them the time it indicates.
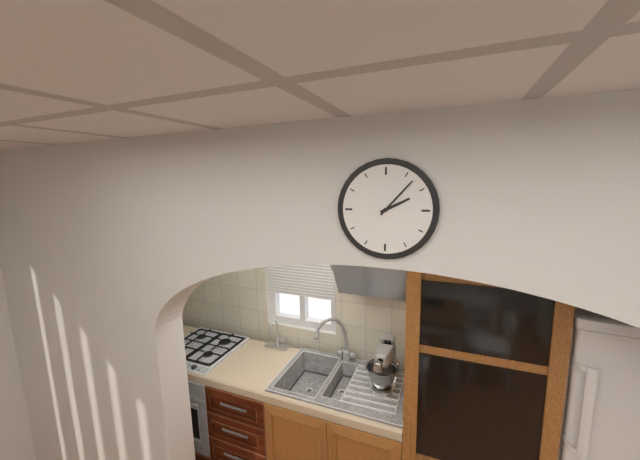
2:07
